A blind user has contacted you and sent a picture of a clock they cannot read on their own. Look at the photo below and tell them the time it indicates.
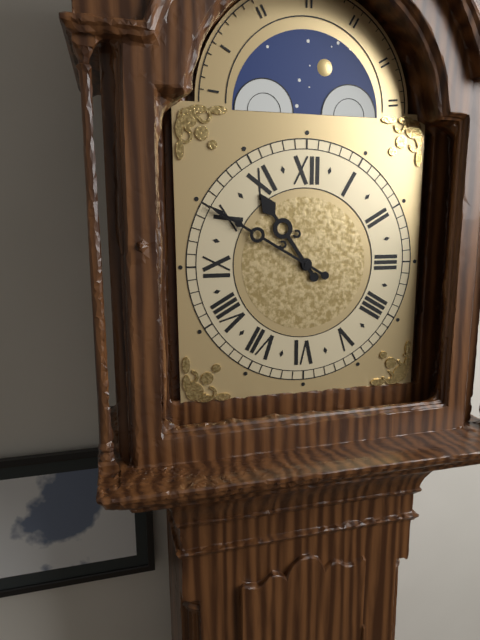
10:50
